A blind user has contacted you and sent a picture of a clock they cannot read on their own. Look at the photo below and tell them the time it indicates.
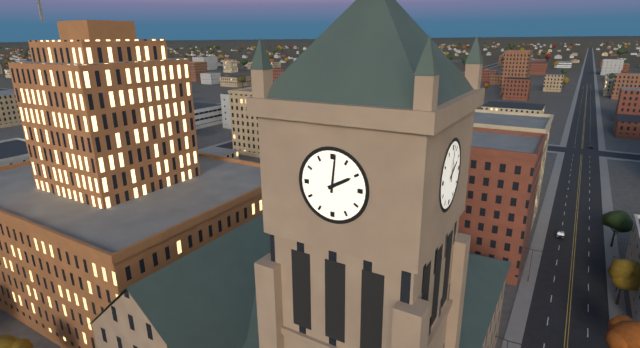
2:01
